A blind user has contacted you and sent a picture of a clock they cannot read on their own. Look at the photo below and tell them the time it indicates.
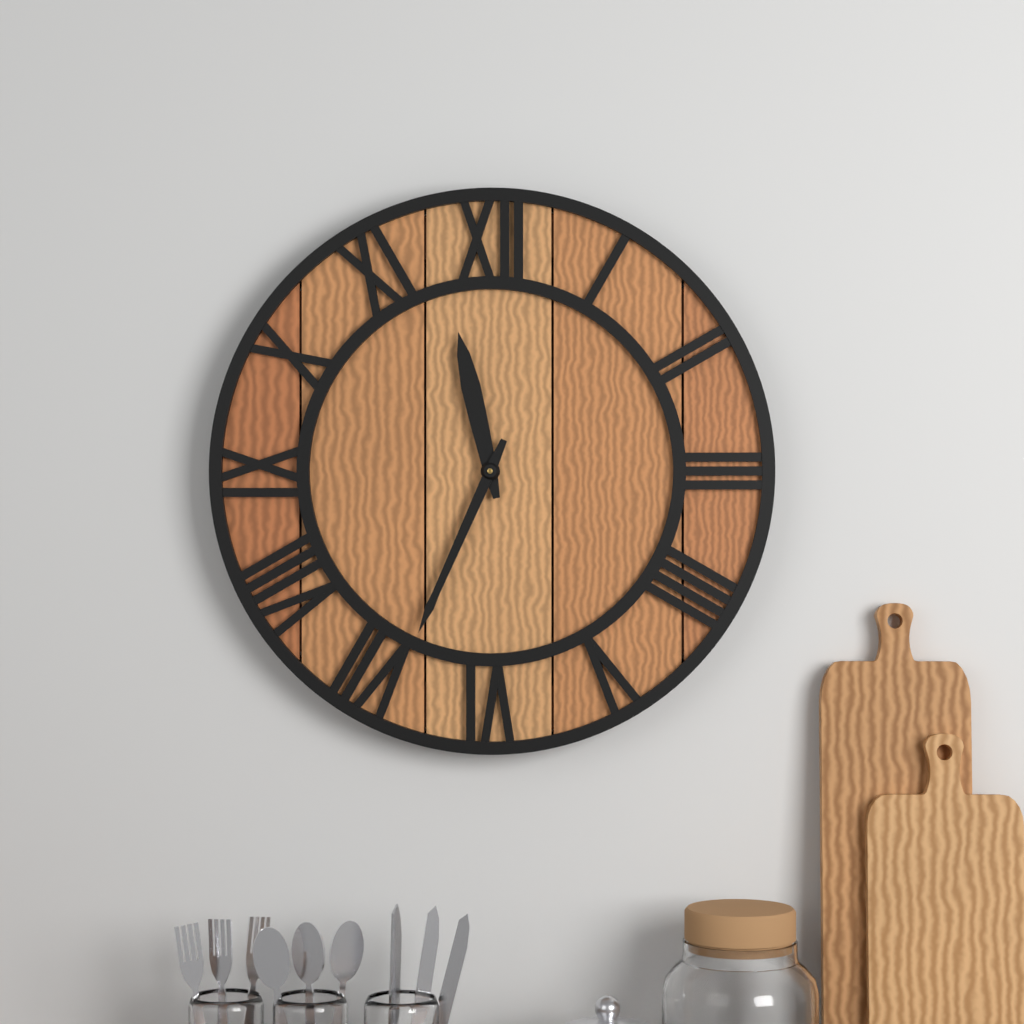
11:34
